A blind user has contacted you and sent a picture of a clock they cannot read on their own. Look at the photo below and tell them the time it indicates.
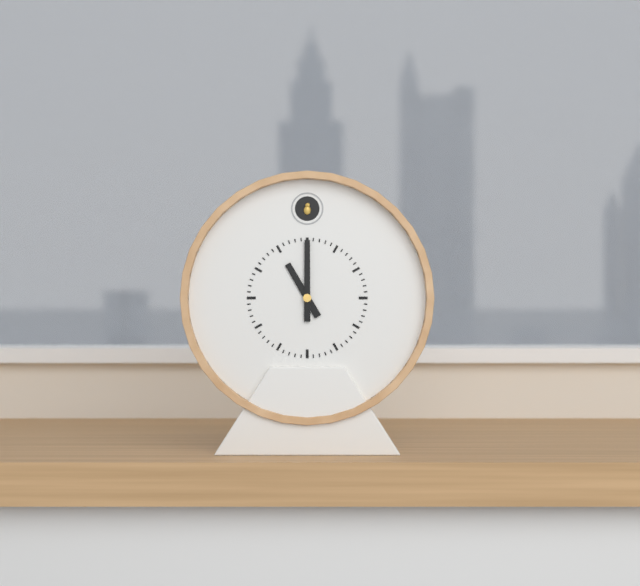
11:00
